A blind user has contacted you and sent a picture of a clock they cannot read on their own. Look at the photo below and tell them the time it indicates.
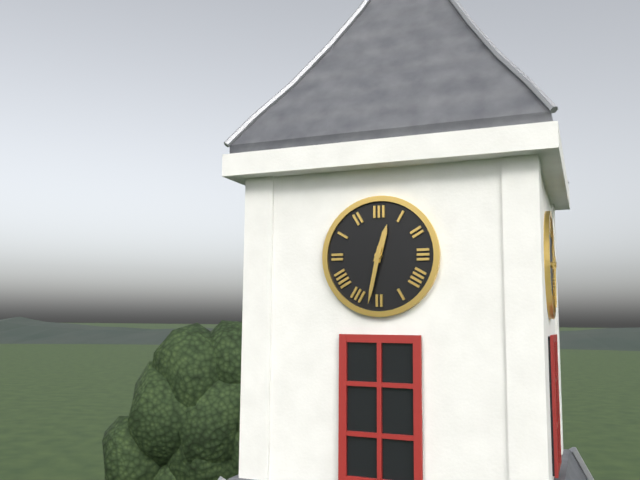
12:32
